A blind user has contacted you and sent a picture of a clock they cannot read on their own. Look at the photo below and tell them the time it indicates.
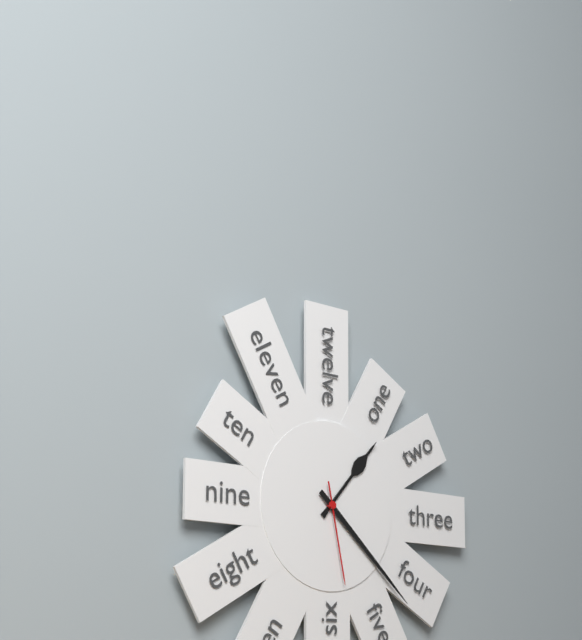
1:22:28
